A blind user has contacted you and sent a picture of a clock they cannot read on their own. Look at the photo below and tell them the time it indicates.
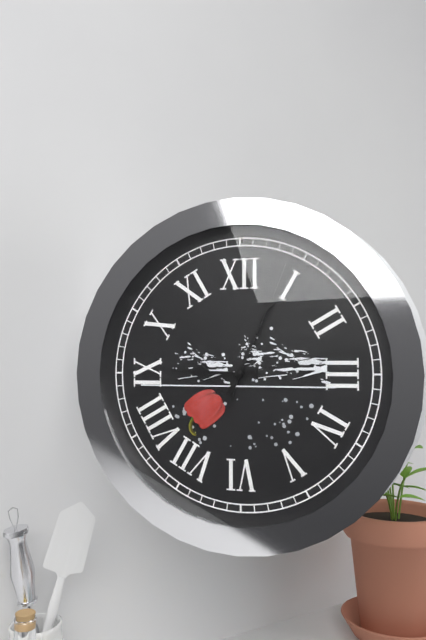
9:04:13
